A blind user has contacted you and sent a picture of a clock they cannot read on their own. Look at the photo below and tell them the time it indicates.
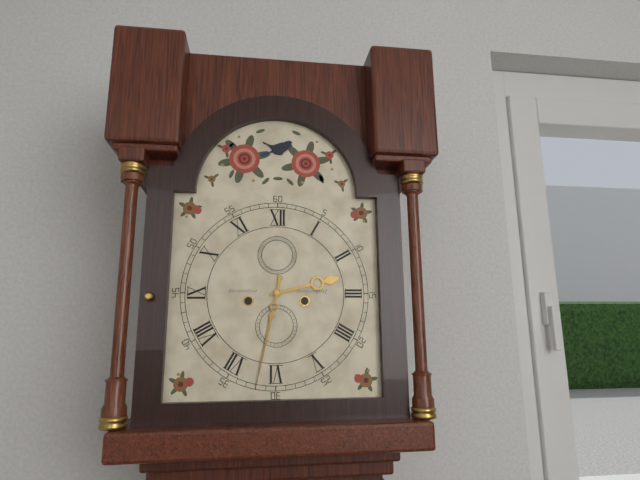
2:32
